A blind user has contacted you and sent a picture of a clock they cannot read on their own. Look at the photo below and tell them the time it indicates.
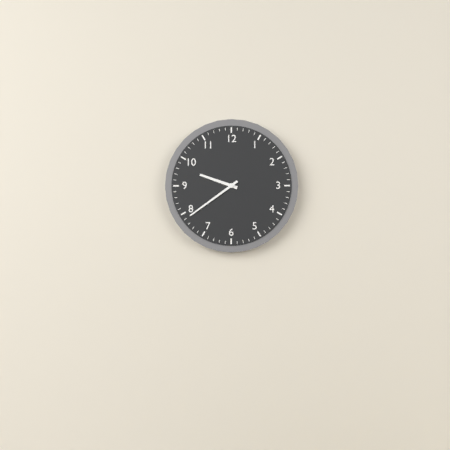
9:39
